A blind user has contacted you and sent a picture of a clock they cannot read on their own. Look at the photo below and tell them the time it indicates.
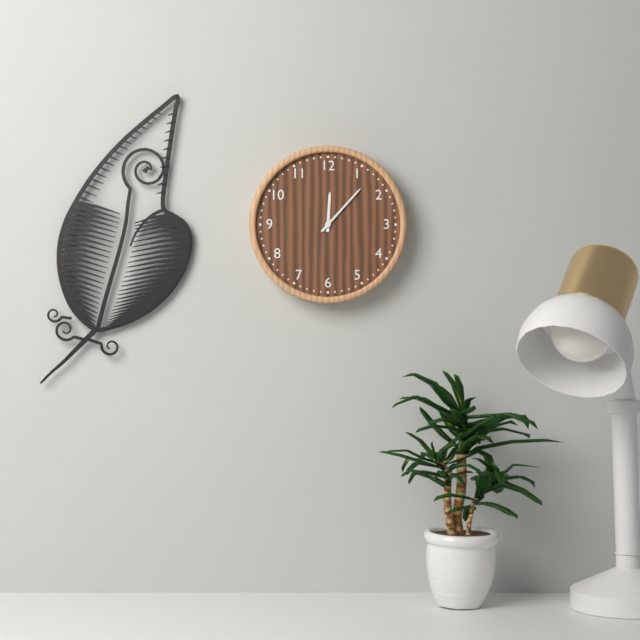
12:07
